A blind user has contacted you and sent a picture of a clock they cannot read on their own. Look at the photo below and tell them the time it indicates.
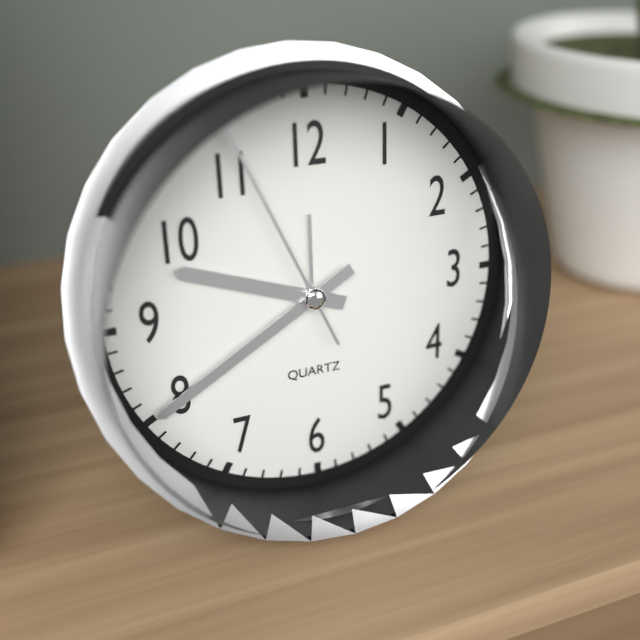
9:40:56
